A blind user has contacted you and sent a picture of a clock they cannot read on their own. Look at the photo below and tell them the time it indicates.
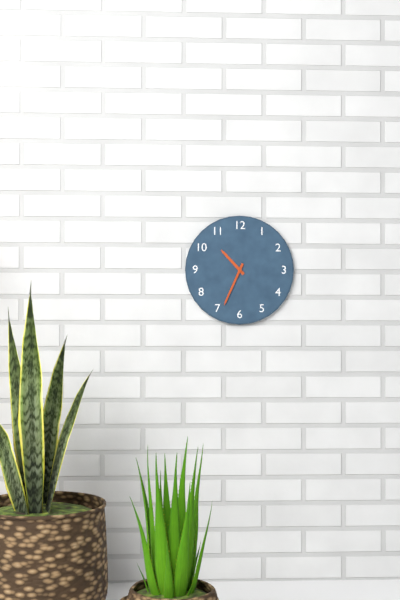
10:34
